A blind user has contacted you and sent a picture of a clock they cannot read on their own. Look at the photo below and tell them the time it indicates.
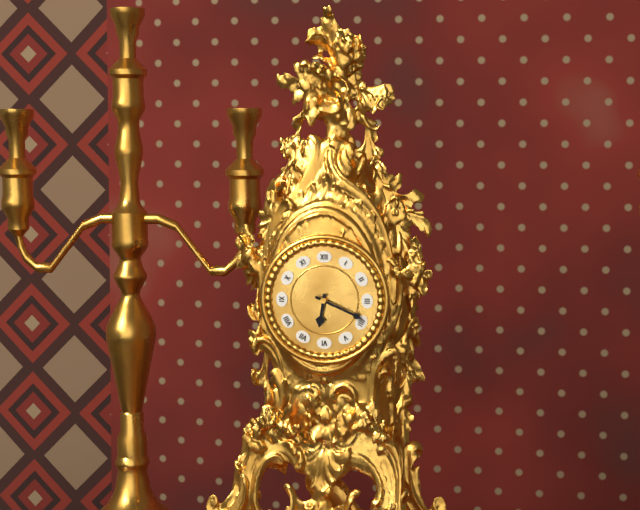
6:19
